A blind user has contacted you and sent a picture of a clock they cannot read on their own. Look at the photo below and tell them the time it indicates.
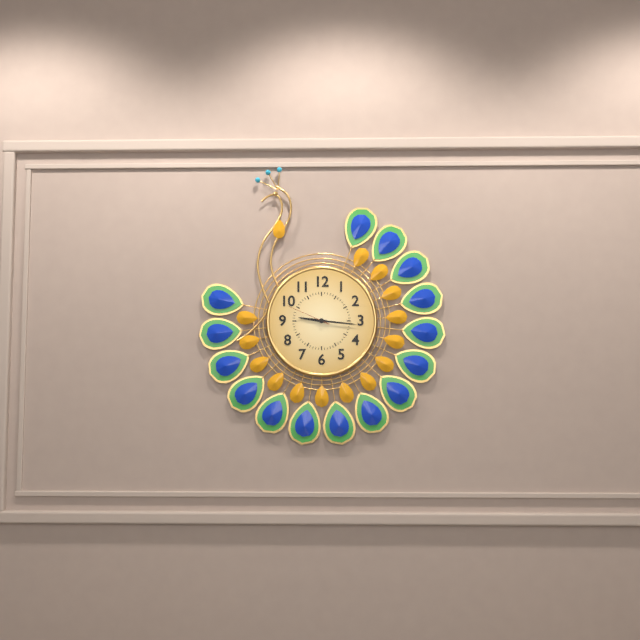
9:16
